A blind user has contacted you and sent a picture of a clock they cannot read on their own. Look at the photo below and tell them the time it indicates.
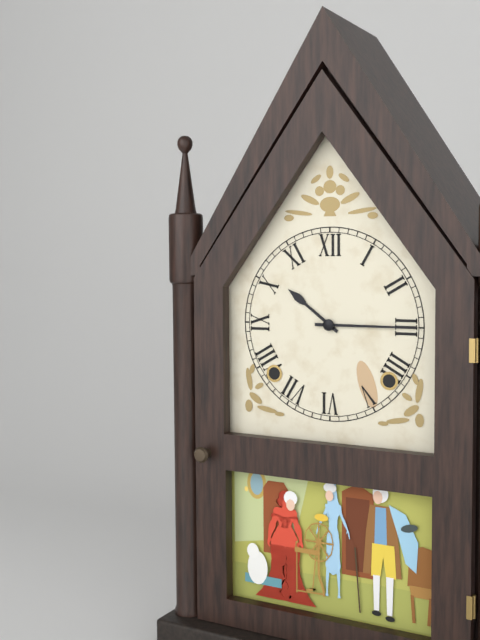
10:15
